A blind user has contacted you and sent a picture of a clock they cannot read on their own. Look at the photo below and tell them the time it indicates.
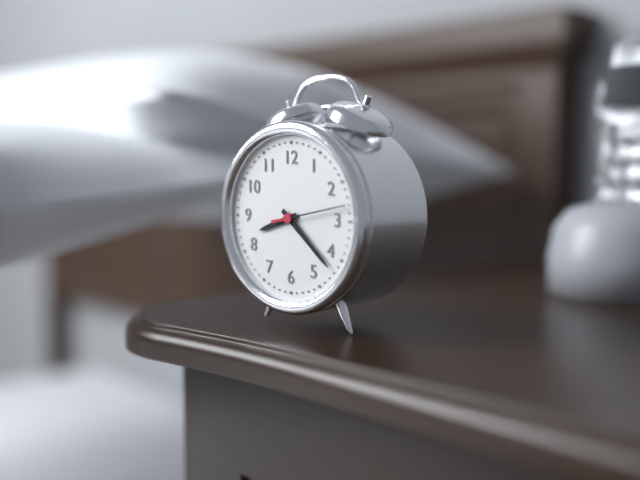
8:22:13
